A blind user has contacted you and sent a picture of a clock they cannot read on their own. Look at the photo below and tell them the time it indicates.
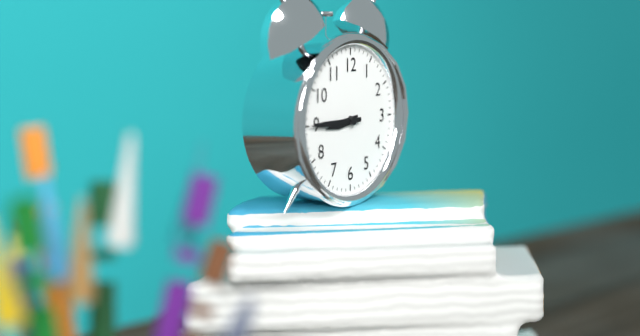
8:45
